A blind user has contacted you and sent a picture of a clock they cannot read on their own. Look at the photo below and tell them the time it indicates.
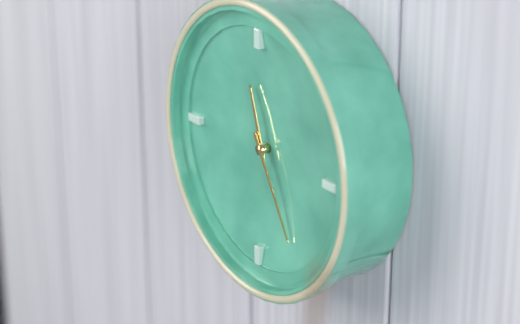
11:25
